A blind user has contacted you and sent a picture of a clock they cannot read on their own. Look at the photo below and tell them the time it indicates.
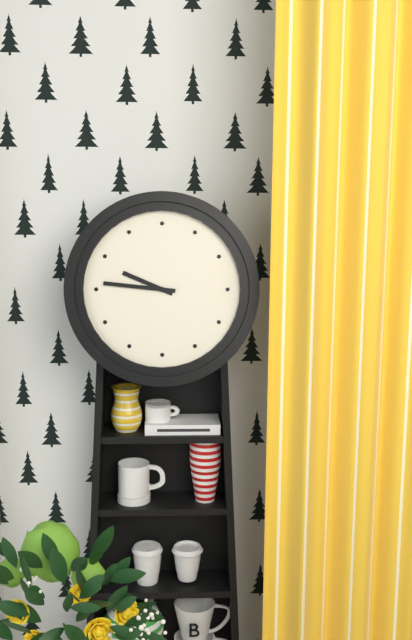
9:46
